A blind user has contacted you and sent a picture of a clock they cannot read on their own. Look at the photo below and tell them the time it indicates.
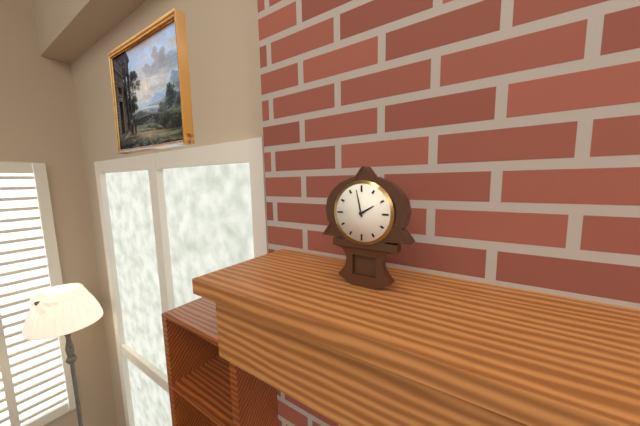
1:58
